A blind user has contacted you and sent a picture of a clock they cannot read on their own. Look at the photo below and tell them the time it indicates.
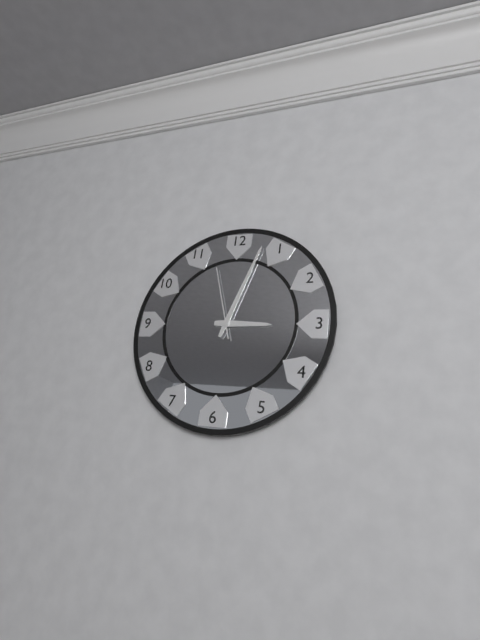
3:03:57
